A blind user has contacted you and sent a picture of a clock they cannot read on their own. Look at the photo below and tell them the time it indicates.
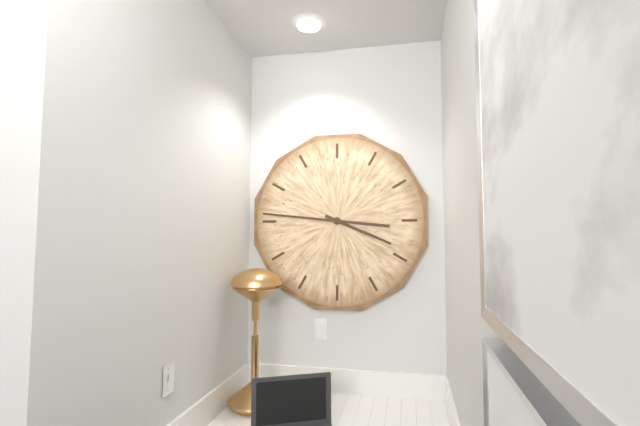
3:46
